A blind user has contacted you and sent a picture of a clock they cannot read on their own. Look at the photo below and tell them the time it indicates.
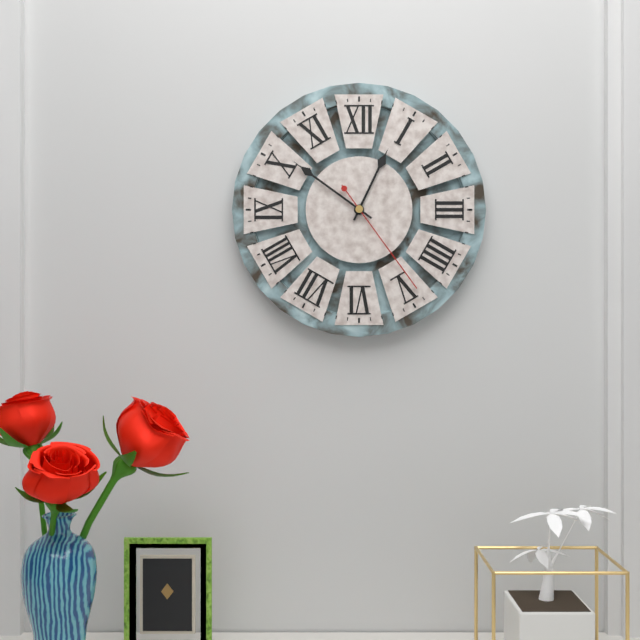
12:51:24
